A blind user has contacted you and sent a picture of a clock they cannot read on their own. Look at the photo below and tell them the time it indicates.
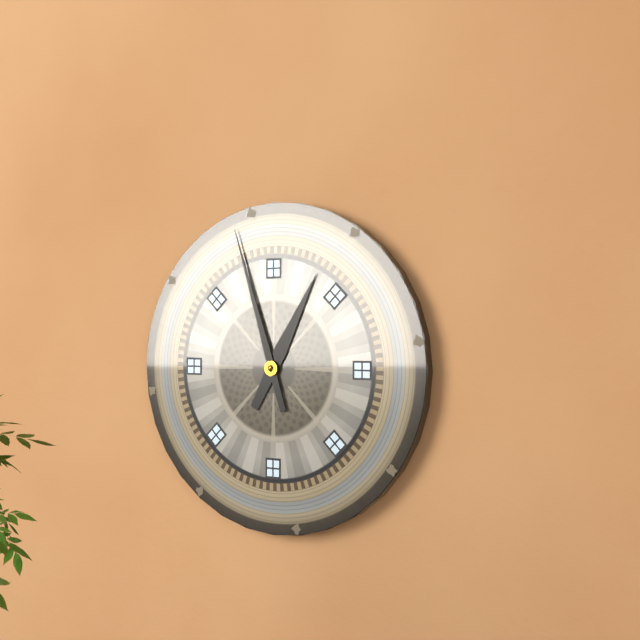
12:57
